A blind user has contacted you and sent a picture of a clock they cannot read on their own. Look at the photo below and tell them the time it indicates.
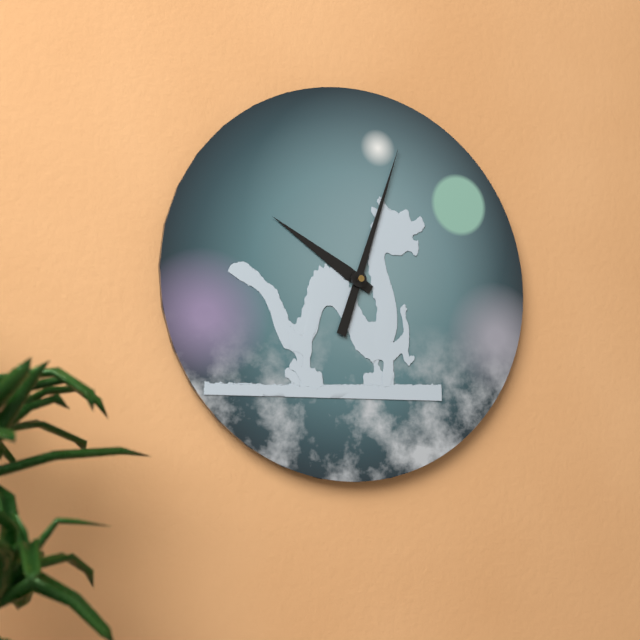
10:03
